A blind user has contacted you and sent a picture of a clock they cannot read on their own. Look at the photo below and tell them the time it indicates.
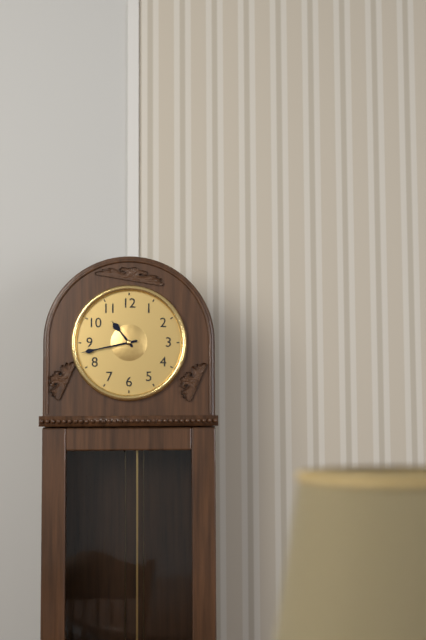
10:43
